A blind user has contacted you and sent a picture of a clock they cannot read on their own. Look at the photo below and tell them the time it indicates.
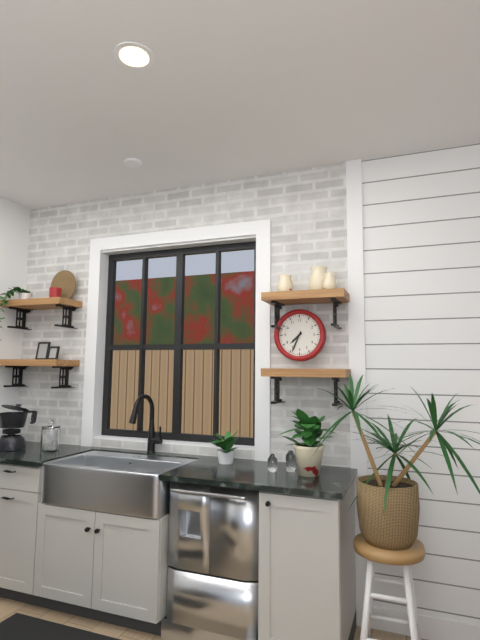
7:34
